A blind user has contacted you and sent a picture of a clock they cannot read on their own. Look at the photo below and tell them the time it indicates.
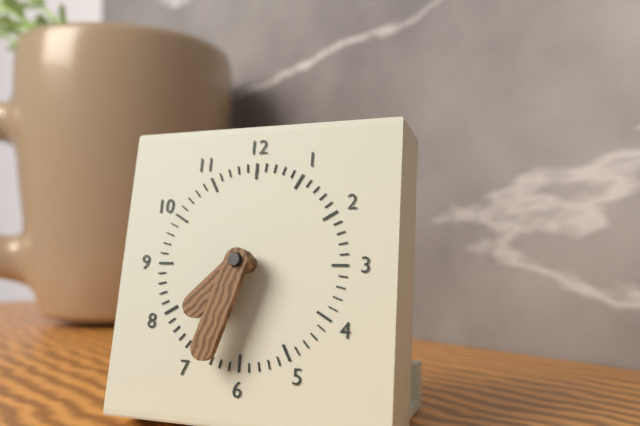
7:33
